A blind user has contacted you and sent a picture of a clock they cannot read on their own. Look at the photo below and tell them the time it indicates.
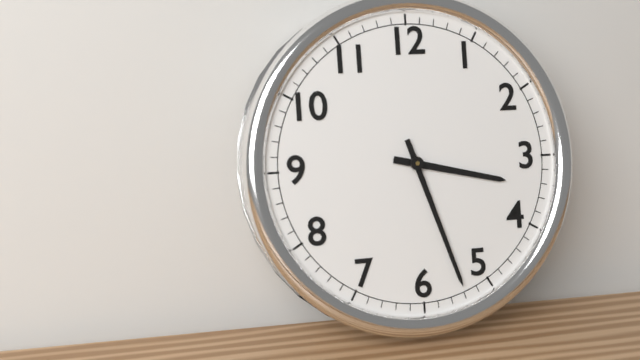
3:27
